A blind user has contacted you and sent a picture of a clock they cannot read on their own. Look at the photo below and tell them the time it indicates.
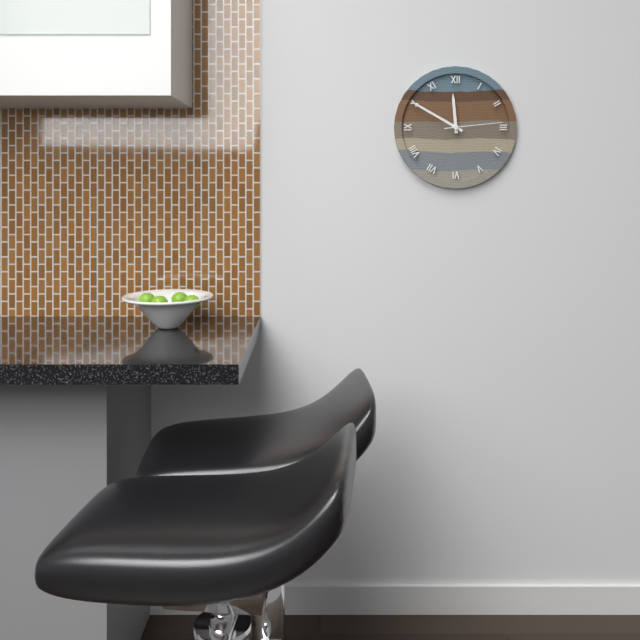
11:50:14
